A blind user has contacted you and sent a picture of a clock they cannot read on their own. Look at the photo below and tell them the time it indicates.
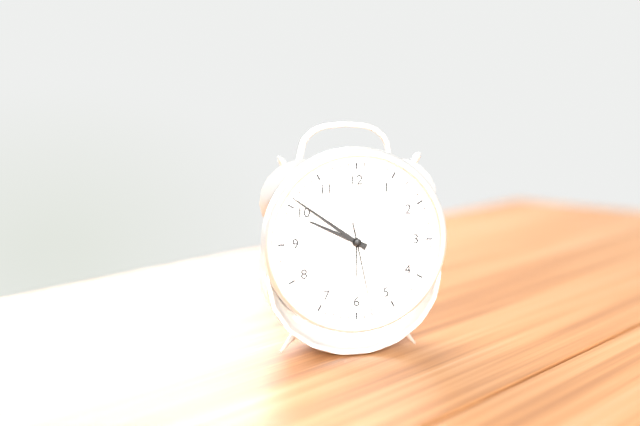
9:51:28
